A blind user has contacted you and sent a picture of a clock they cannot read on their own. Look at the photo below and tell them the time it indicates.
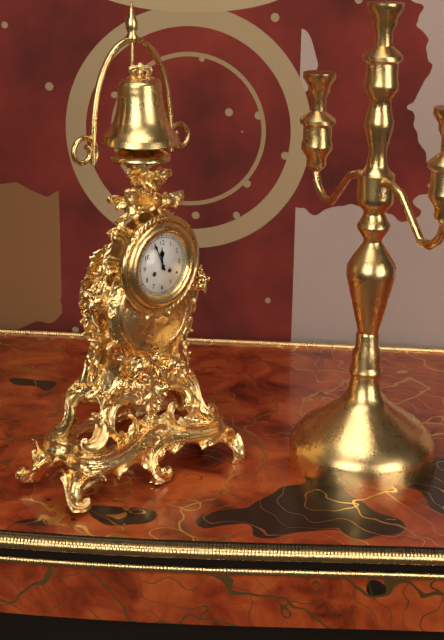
11:56
